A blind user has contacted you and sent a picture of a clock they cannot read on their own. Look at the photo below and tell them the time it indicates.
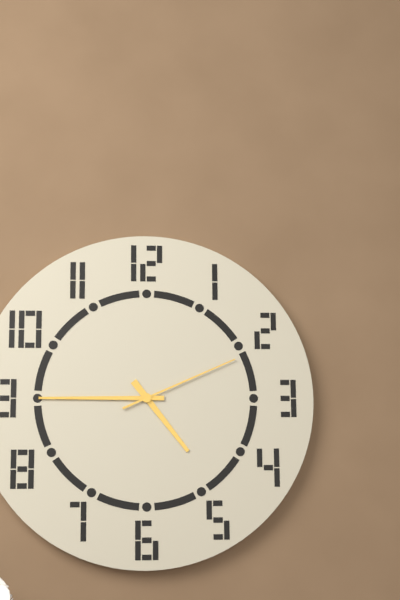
4:45:11
